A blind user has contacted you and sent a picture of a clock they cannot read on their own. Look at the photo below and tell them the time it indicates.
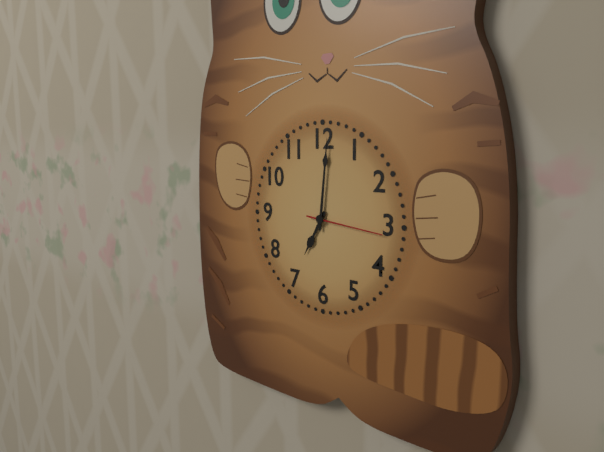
7:01:16
